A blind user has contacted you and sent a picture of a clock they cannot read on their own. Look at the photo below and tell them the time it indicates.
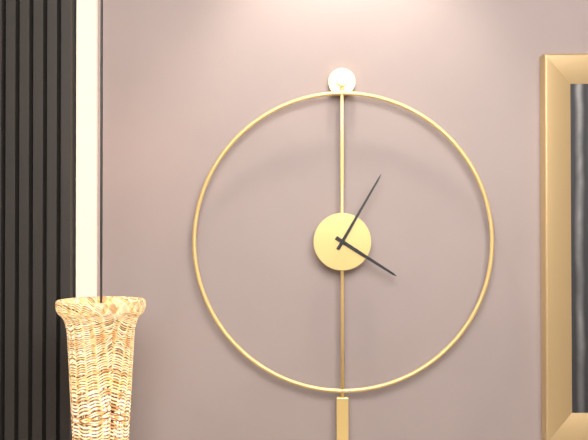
4:05
